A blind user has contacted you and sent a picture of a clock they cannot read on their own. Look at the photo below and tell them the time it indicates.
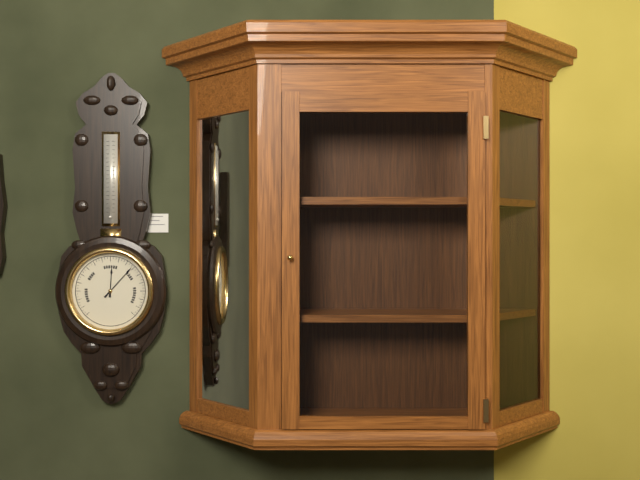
12:07
